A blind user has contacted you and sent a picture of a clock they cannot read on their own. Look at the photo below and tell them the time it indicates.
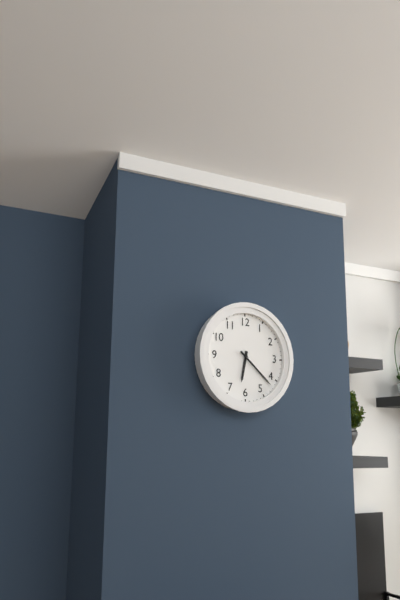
6:22
